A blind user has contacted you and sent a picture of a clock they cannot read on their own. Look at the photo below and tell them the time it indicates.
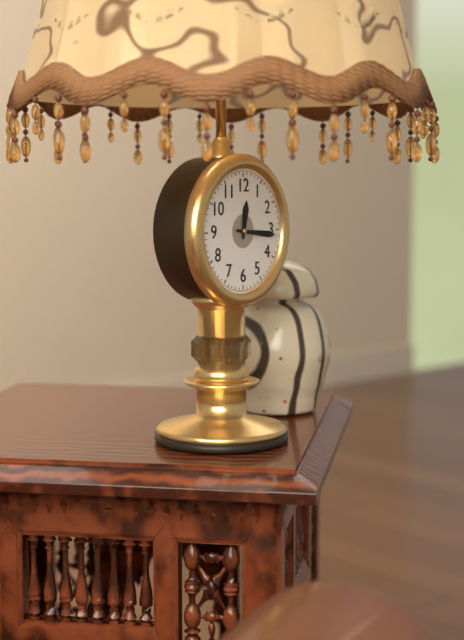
12:16
